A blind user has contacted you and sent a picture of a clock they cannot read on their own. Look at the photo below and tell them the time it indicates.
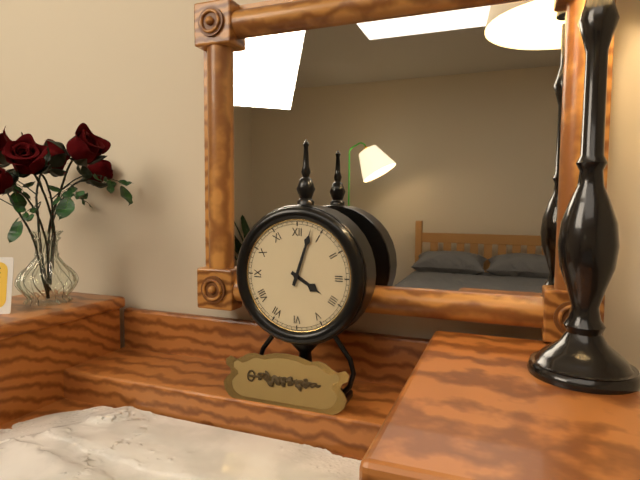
4:03
